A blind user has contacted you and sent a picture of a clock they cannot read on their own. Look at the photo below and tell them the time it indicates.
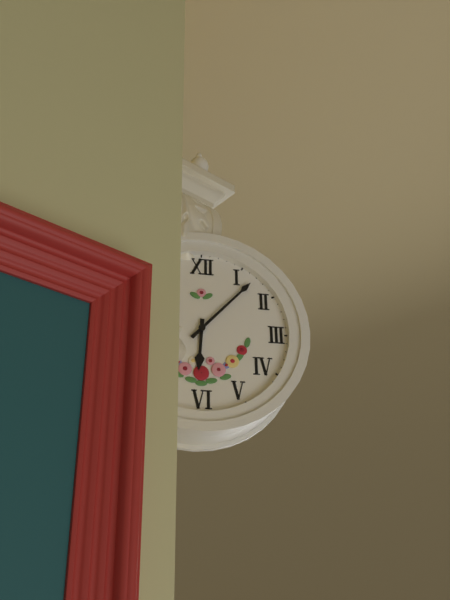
6:07
